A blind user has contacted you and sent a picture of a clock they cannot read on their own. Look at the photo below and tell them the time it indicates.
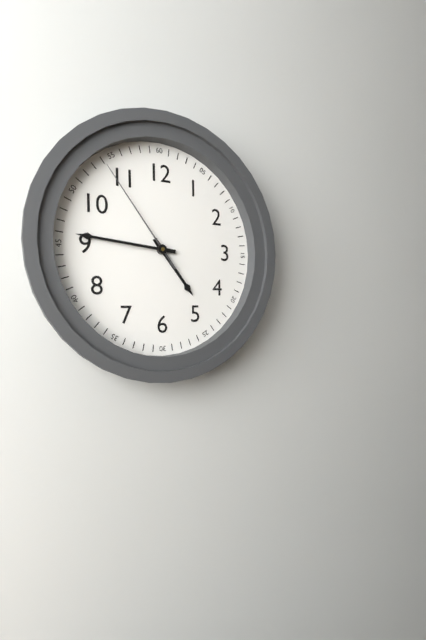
4:46:54
